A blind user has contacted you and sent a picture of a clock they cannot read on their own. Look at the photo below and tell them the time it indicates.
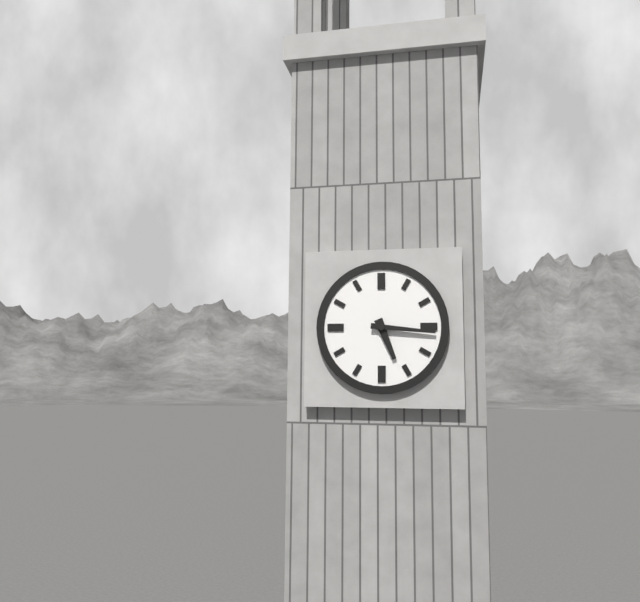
5:16
